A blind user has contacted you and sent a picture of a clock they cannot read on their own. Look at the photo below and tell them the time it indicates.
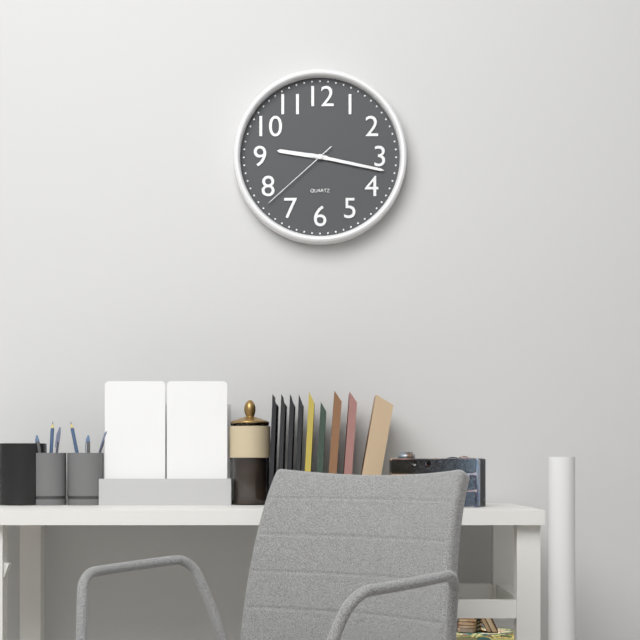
9:17:38
